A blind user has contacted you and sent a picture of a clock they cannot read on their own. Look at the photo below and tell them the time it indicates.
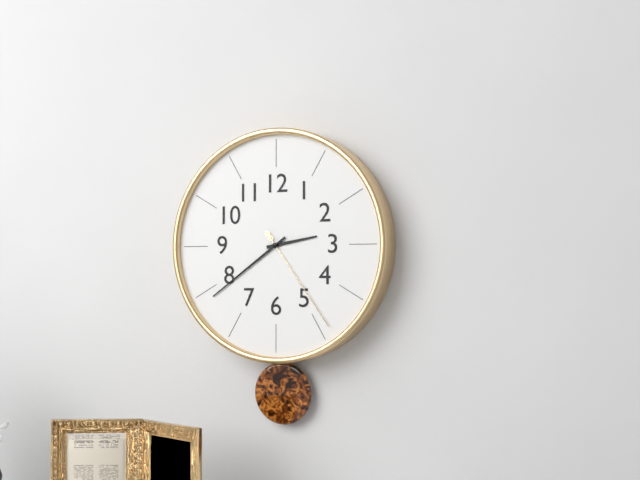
2:39:24
